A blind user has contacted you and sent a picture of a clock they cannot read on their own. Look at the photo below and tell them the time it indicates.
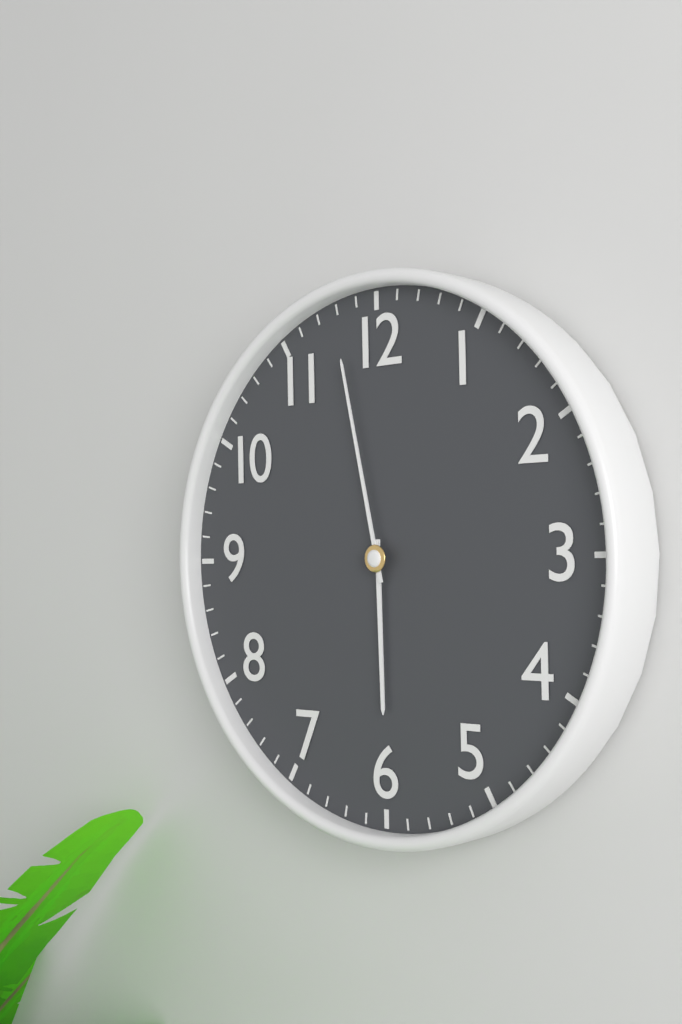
5:58
